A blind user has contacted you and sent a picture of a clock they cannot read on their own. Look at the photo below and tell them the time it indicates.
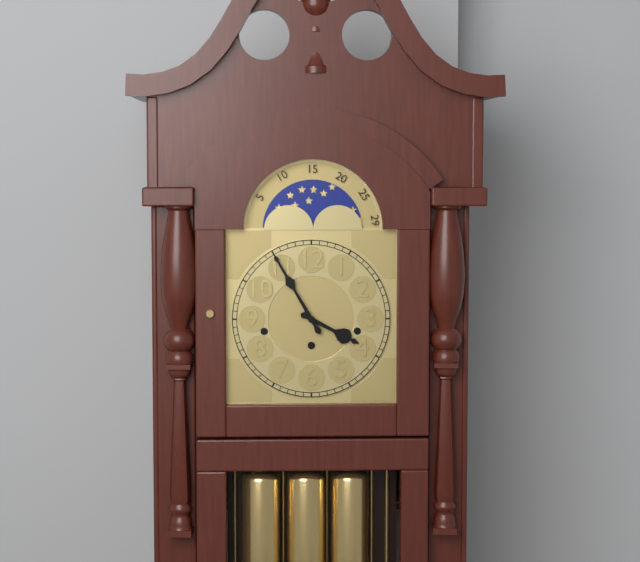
3:55
